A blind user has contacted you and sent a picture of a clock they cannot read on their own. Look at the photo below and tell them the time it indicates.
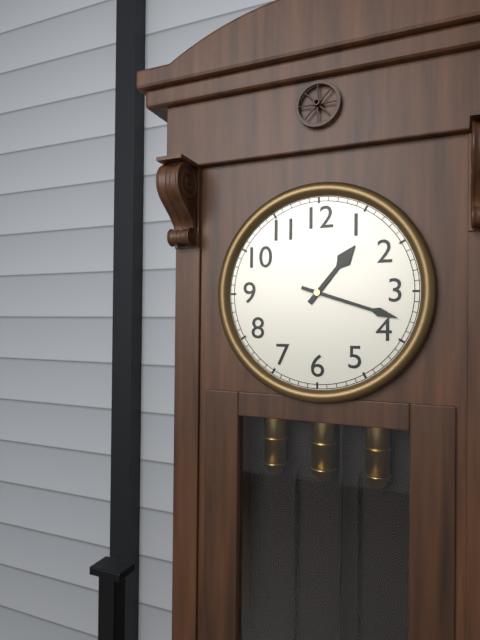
1:18
